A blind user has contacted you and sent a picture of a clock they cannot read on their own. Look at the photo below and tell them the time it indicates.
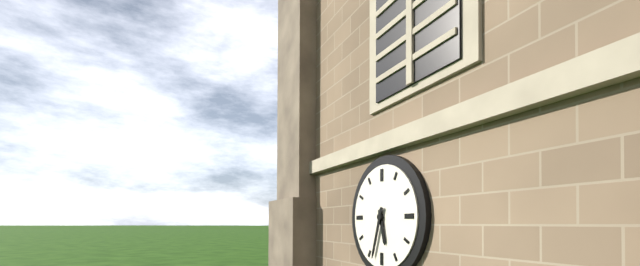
5:33
